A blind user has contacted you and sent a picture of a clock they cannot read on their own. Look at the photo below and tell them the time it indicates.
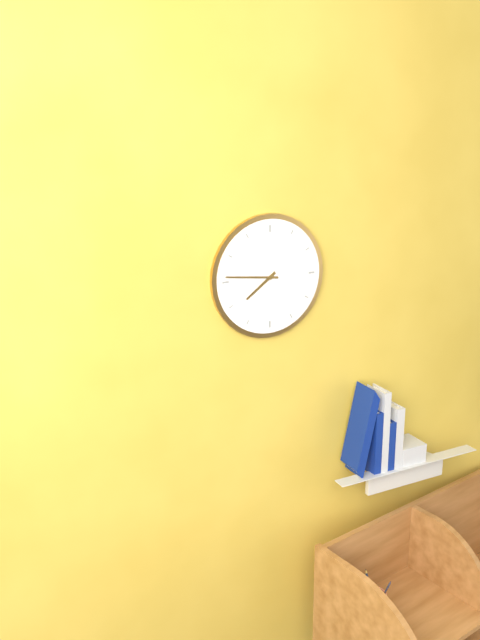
7:46
